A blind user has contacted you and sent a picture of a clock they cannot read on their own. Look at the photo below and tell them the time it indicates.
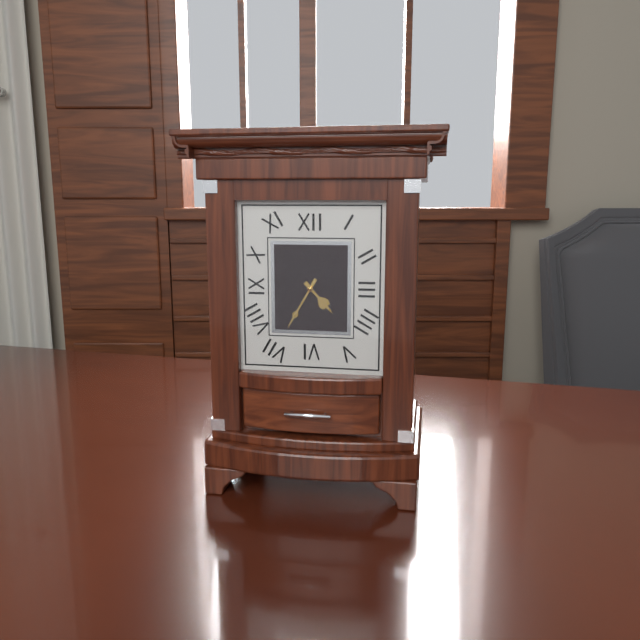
4:35
